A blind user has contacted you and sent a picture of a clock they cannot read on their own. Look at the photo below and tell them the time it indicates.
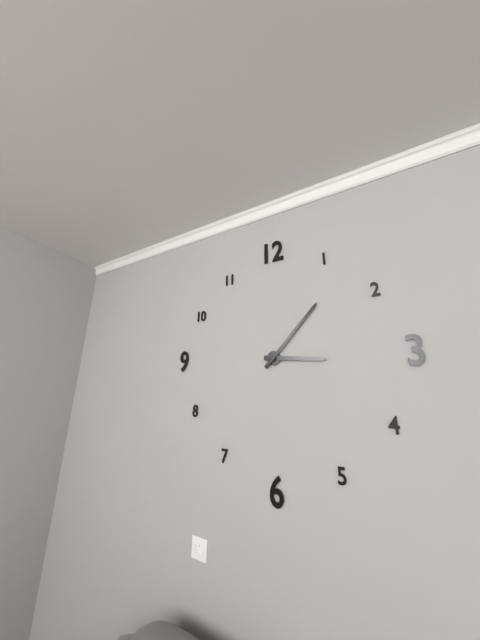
3:07
